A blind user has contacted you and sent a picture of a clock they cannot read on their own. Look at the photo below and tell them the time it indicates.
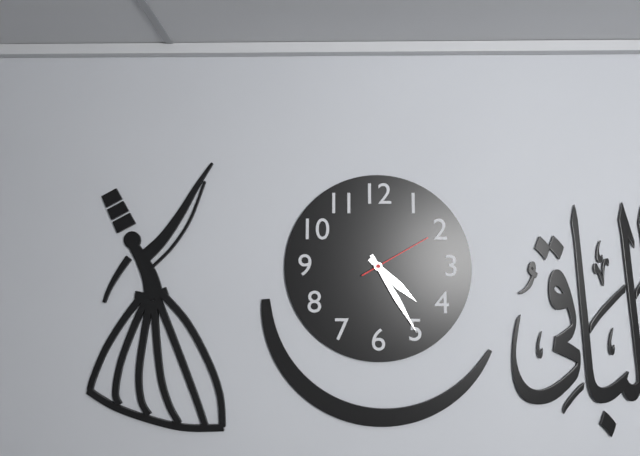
4:25:10
